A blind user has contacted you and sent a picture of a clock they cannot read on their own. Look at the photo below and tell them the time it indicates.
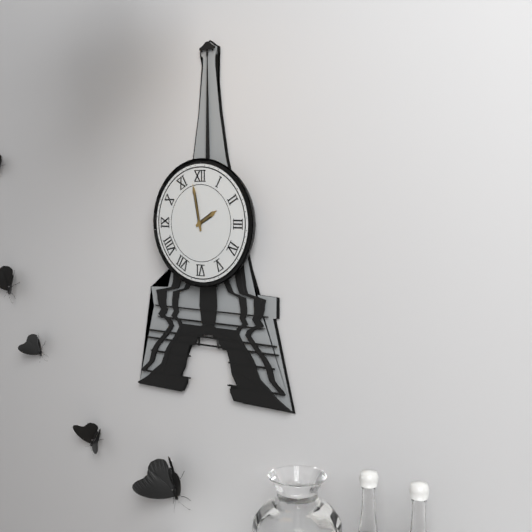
1:58
